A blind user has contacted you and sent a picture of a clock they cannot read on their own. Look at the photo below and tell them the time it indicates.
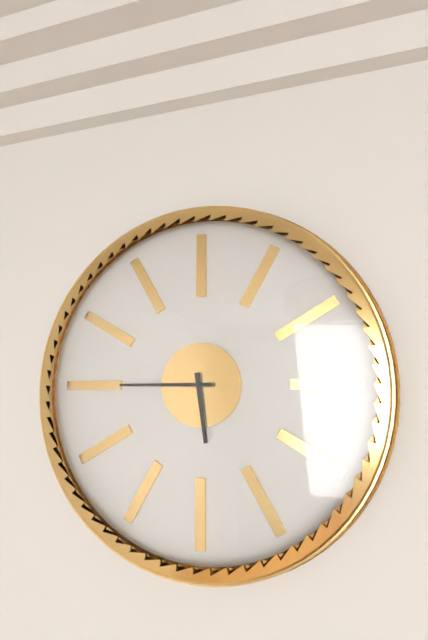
5:45
